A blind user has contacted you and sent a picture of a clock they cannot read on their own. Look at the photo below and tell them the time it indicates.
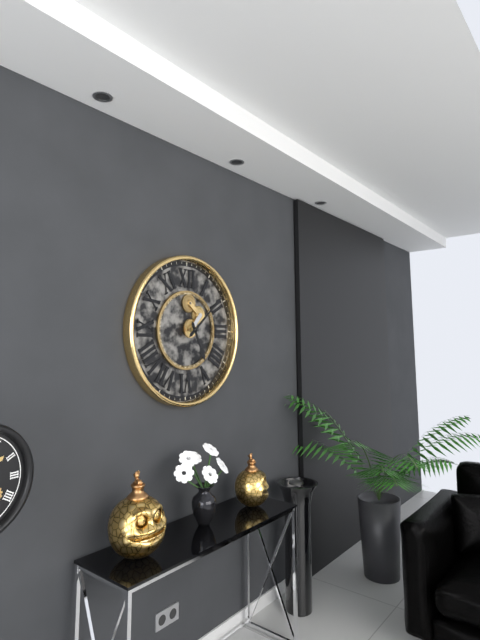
5:08
